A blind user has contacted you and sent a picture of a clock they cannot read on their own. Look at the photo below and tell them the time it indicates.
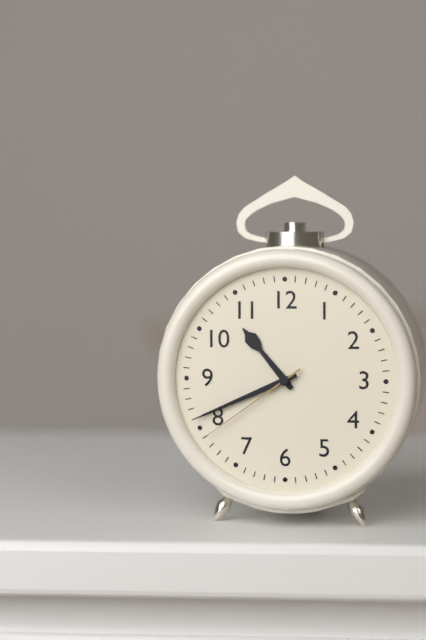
10:41:39
